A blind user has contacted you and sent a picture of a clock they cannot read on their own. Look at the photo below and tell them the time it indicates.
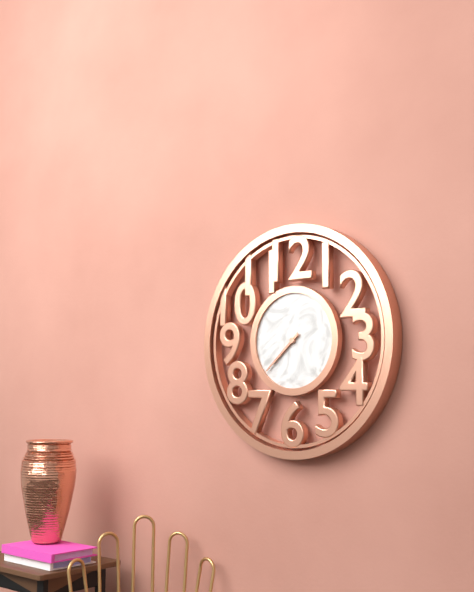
7:38
